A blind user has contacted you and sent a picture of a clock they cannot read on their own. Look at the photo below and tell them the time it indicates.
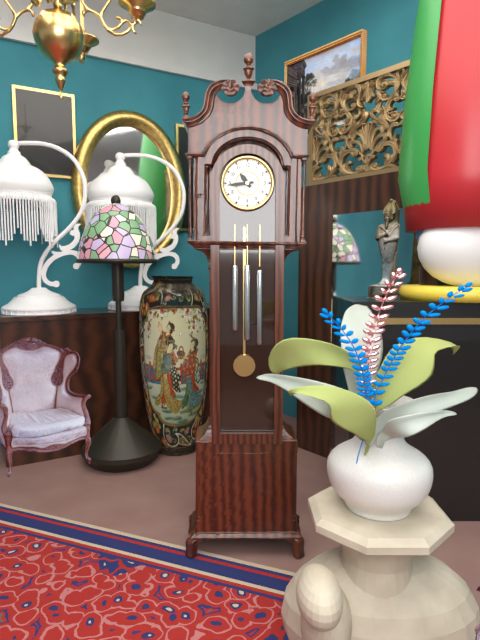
10:44
